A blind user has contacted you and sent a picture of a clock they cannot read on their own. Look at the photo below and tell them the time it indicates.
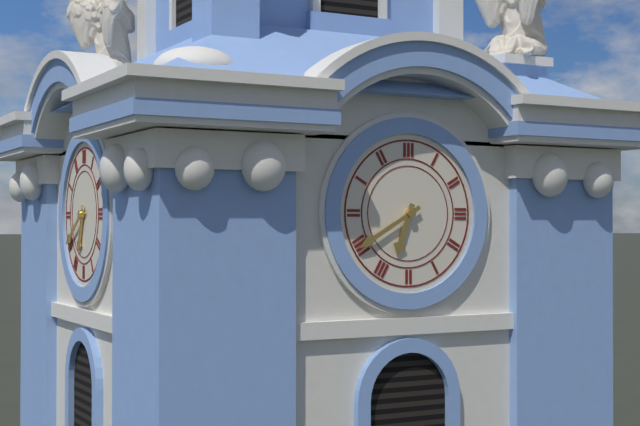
6:40
